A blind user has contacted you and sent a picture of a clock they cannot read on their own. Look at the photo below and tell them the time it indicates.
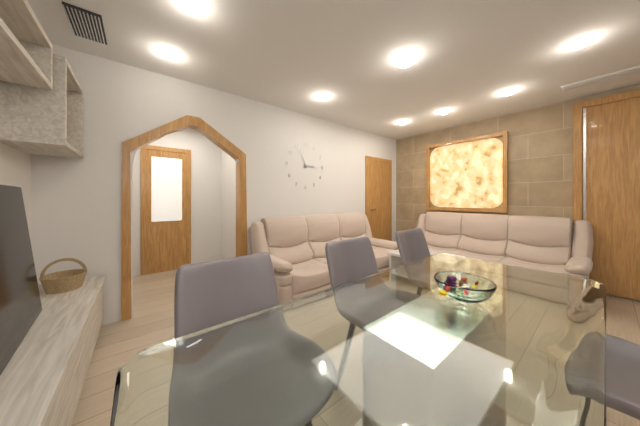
2:56
